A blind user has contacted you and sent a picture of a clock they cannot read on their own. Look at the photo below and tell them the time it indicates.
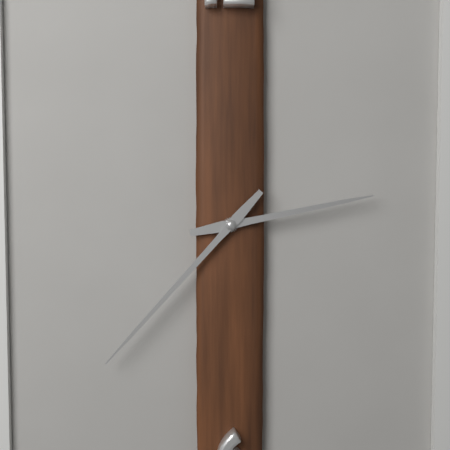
2:37
